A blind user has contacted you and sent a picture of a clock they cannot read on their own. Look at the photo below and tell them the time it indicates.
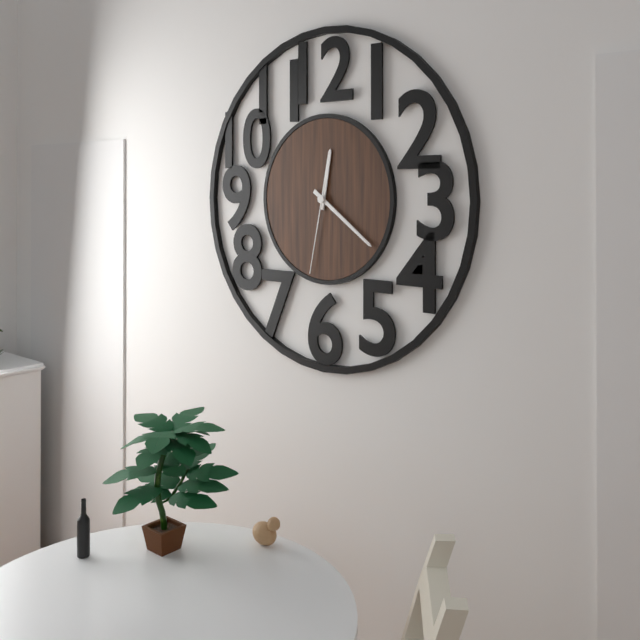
12:21:32
